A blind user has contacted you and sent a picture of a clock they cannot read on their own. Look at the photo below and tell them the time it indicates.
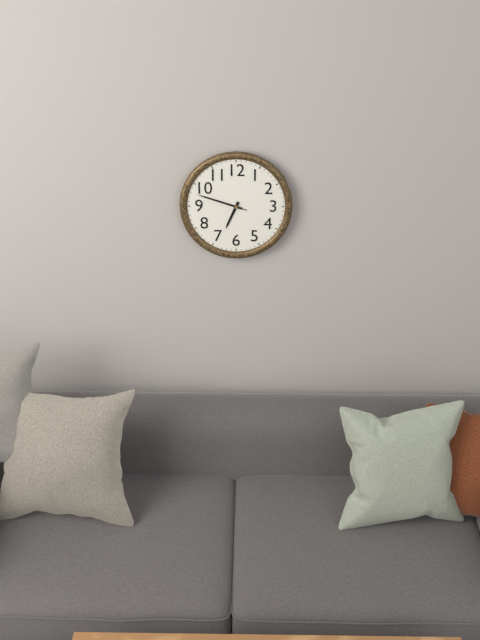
6:48:48
